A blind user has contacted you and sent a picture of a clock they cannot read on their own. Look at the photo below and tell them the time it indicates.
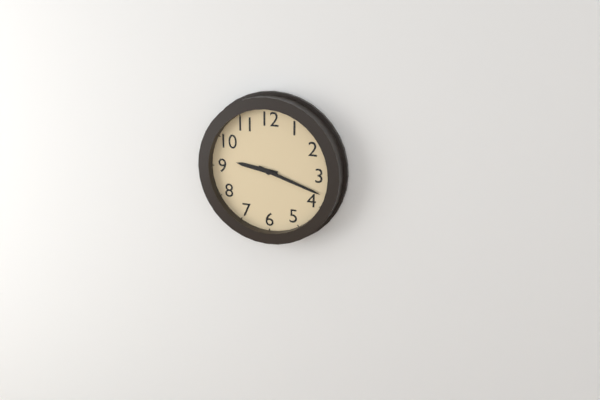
9:18
